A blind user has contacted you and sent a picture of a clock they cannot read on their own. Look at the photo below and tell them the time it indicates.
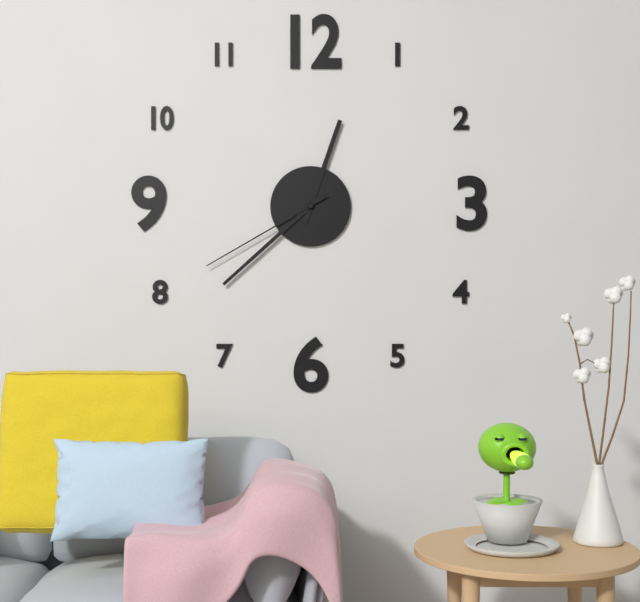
12:38:40
